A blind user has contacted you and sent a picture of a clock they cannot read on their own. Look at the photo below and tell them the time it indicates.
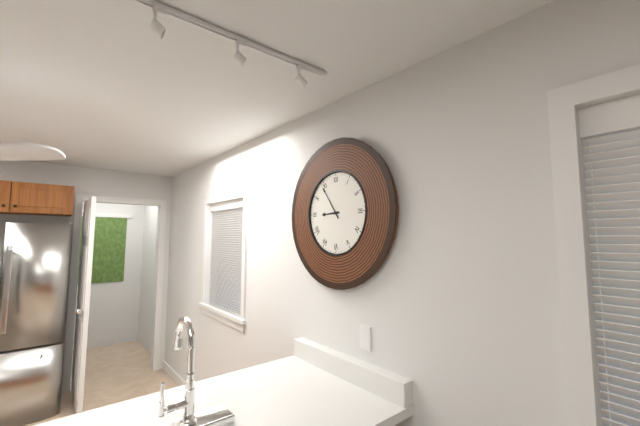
8:54
